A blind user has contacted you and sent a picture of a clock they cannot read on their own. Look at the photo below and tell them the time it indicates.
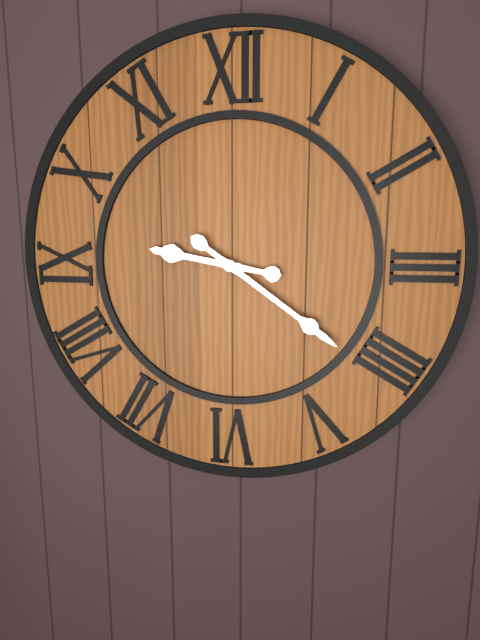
9:21
